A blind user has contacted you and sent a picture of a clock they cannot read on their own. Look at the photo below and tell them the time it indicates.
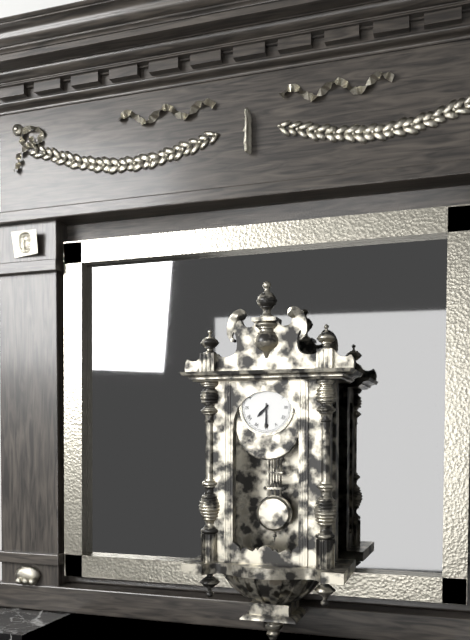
7:30
